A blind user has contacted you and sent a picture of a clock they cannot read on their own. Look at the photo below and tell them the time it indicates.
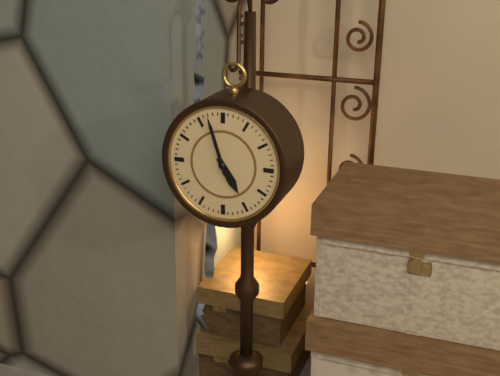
4:57
